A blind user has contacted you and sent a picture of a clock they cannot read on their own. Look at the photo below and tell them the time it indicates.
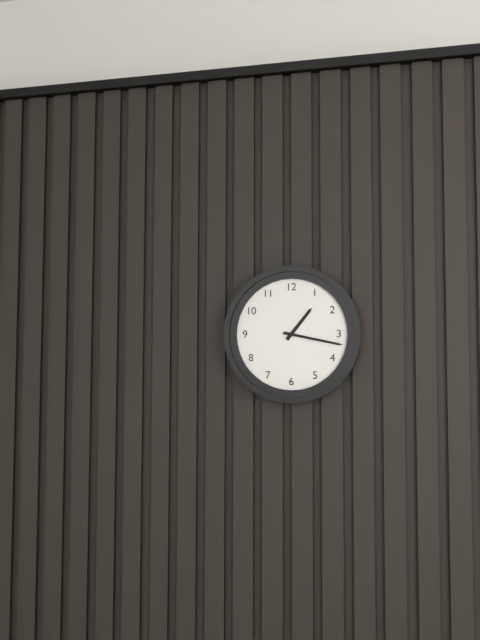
1:17
